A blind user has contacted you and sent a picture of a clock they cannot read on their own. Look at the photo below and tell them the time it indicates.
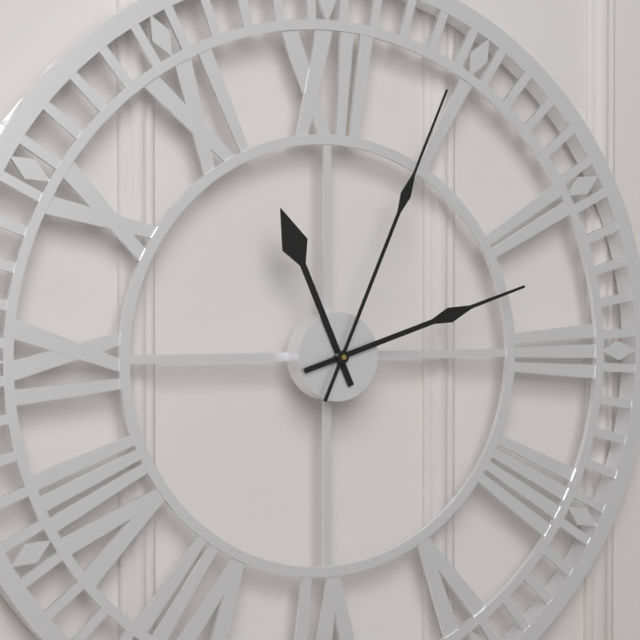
11:12:04
